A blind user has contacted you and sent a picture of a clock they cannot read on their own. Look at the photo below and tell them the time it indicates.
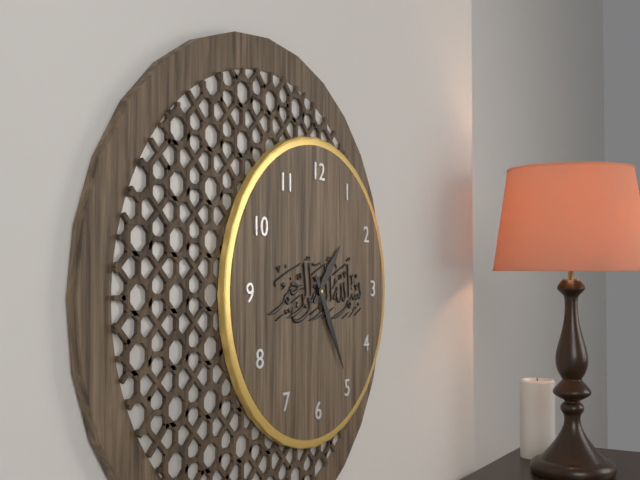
1:25
